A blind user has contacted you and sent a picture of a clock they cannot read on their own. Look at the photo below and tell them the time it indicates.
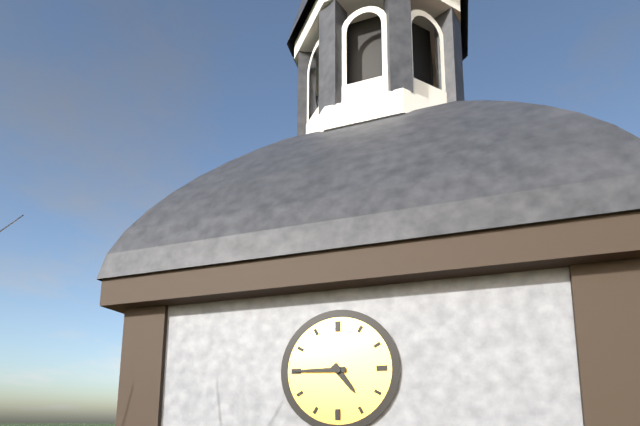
4:45
